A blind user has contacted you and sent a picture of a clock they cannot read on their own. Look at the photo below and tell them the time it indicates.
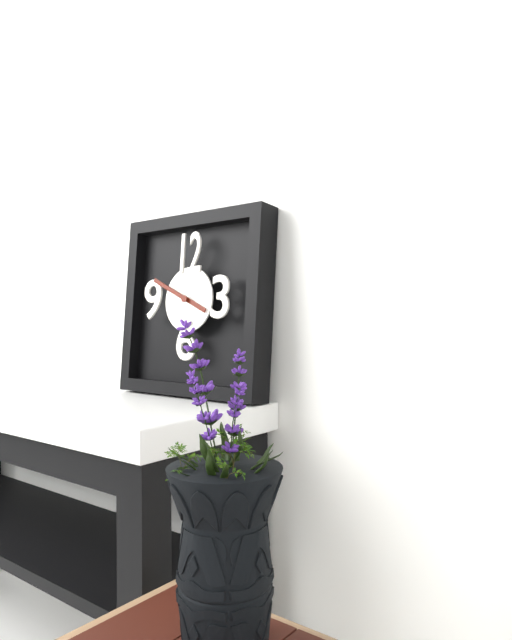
3:49
